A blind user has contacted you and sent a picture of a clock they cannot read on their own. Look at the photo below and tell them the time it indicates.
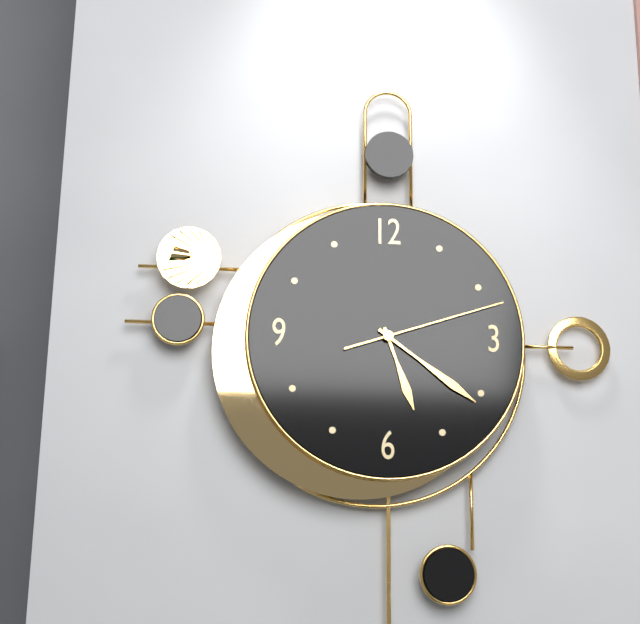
5:21:12
